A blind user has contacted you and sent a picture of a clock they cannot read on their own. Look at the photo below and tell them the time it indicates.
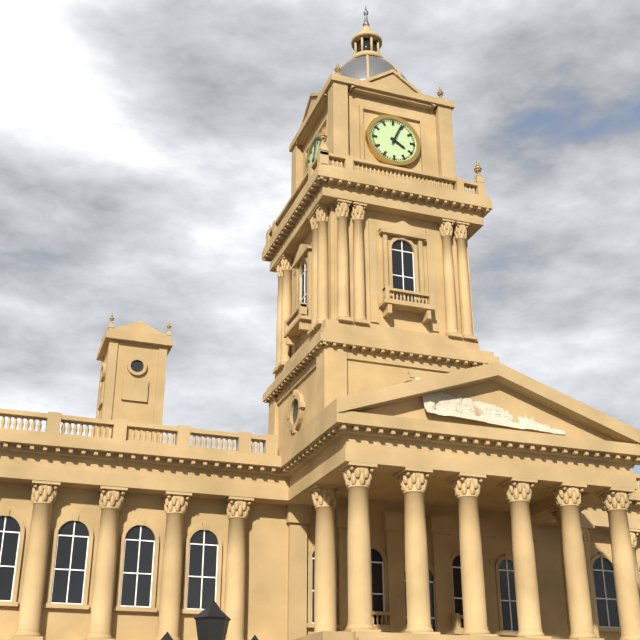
4:04
